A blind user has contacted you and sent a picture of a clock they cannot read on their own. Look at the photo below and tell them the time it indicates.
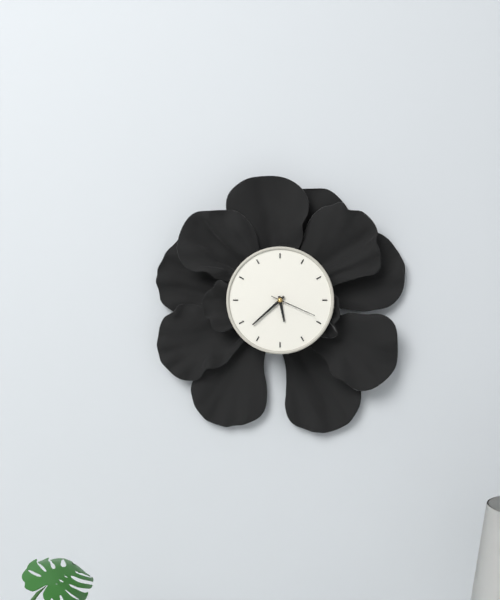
5:38
